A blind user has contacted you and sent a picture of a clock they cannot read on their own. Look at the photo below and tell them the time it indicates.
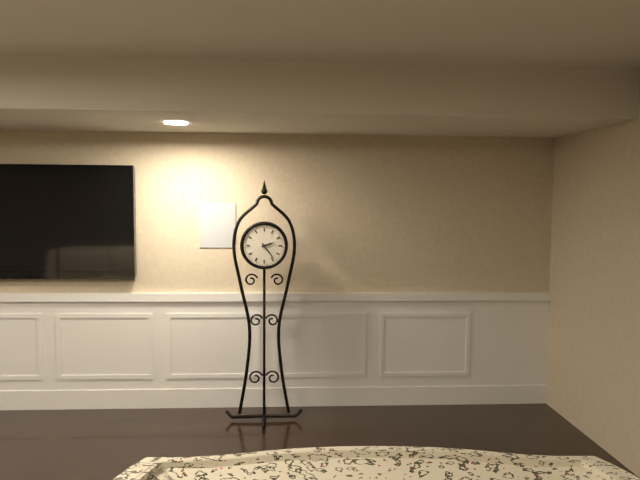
2:24
